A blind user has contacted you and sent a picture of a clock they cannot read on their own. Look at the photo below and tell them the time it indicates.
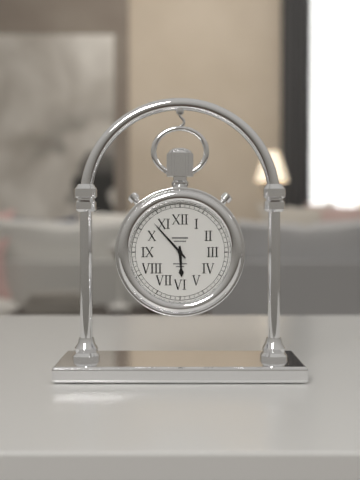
5:53
